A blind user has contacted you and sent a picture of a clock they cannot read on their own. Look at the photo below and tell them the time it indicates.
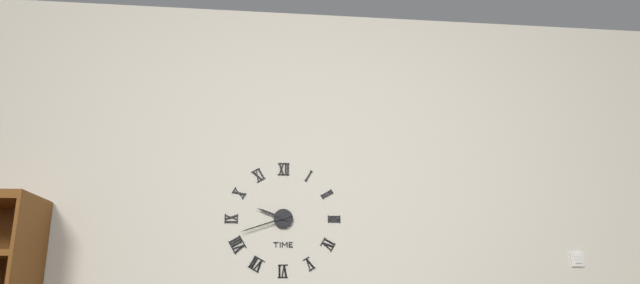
9:42
